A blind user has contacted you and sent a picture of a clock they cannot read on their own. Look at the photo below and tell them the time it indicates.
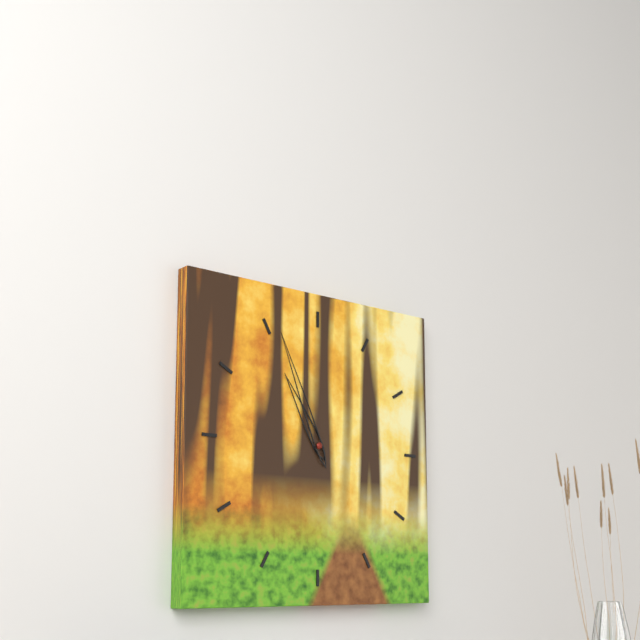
10:56
